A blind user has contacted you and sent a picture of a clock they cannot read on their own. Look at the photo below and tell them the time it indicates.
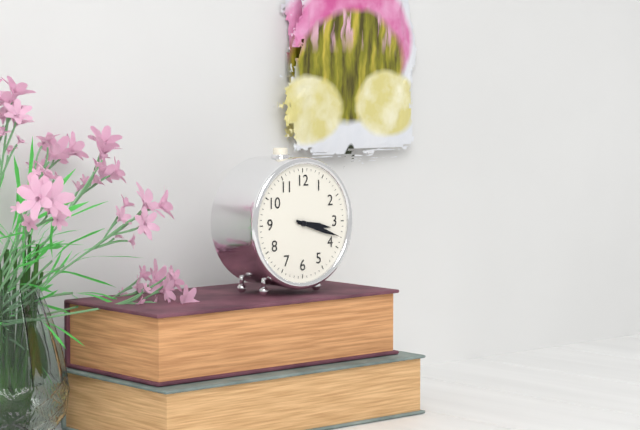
3:18
